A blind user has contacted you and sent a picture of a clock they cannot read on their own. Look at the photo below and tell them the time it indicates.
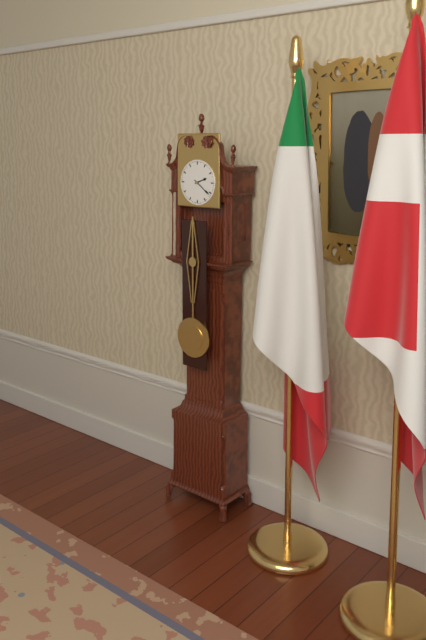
2:21
